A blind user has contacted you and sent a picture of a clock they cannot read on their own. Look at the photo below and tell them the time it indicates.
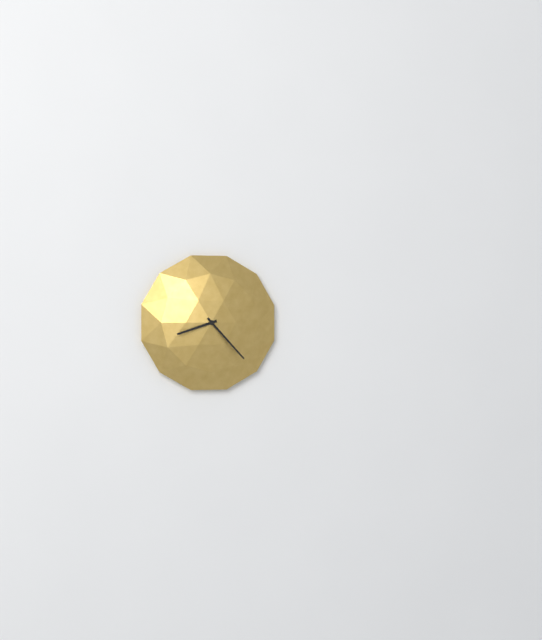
8:23
